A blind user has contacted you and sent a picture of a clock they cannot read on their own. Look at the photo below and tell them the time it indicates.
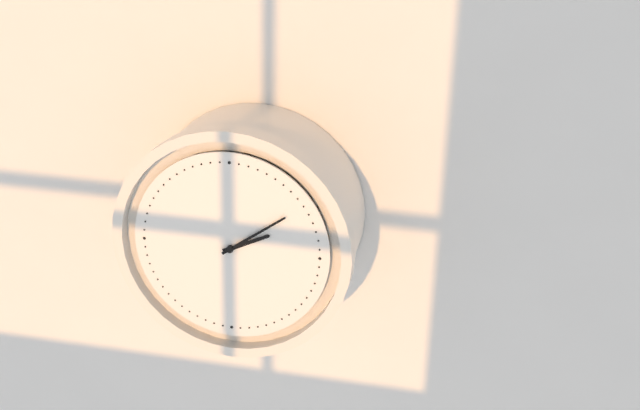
2:09
